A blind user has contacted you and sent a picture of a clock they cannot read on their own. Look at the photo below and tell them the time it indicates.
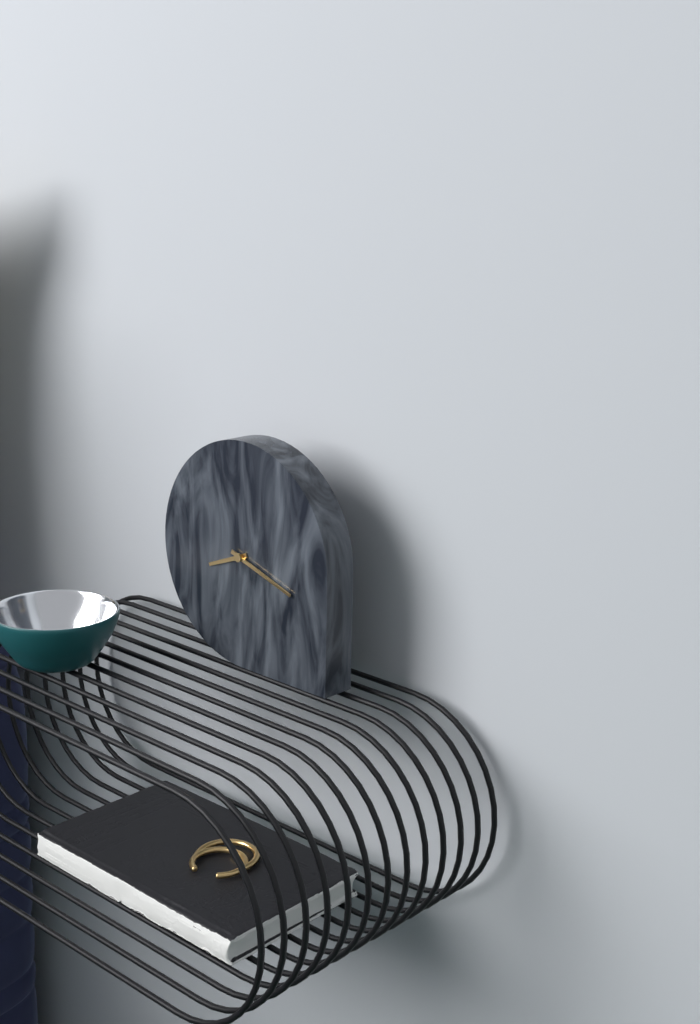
8:18
